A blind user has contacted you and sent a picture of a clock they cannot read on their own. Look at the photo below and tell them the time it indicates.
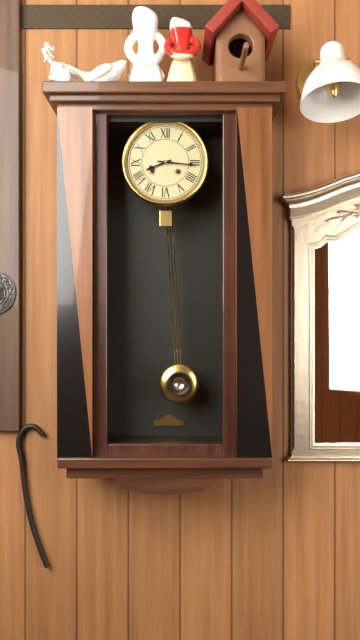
8:16
